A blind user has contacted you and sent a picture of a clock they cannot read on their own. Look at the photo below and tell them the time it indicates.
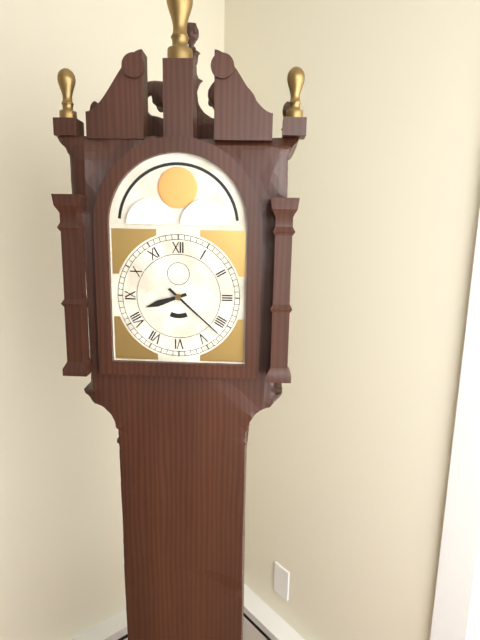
8:22
